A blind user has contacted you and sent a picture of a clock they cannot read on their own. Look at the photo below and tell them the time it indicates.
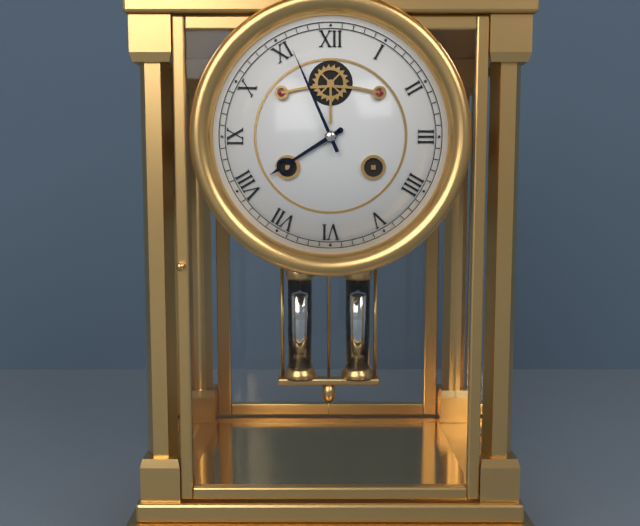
7:56
